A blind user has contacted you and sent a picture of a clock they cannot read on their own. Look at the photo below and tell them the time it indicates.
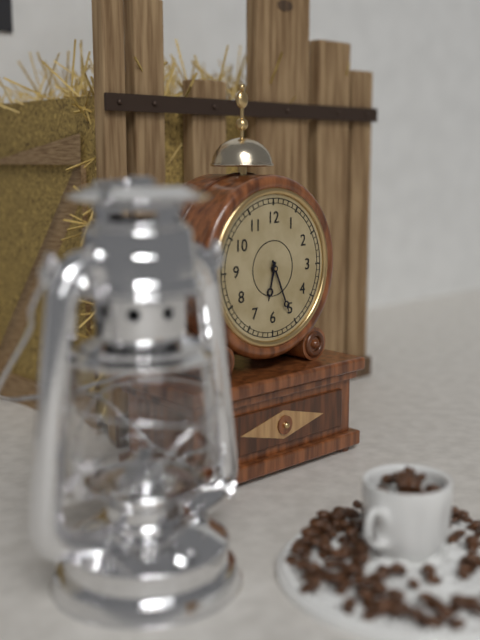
6:26
